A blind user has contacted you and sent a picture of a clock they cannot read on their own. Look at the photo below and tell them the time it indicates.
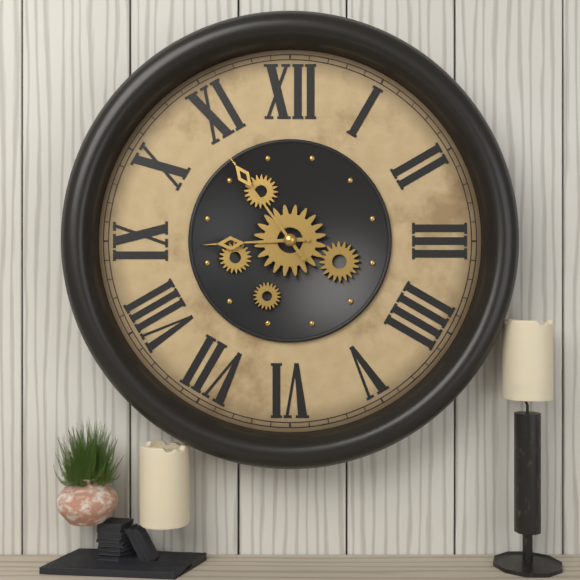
8:54
